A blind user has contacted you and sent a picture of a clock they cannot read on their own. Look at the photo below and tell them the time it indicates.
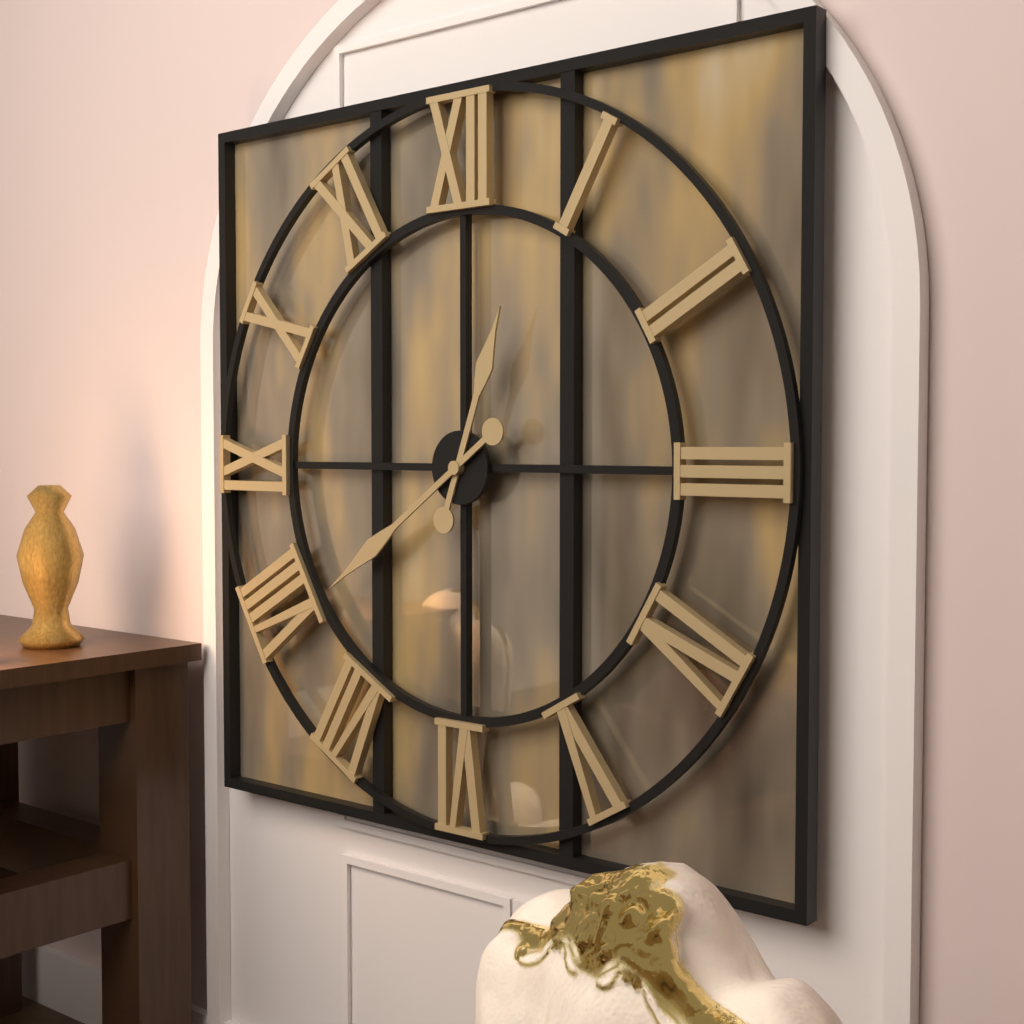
12:39
